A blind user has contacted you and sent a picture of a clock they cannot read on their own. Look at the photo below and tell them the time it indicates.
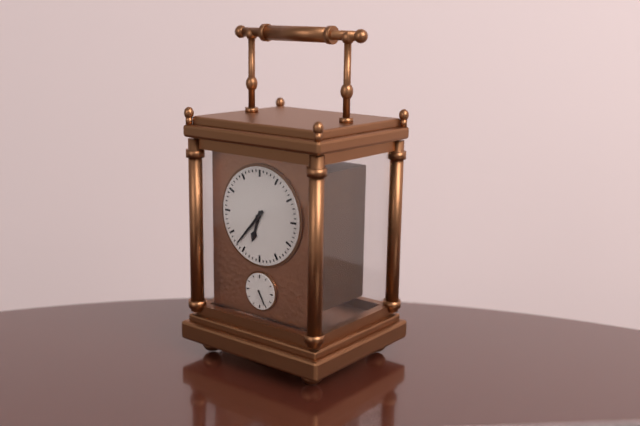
6:37
